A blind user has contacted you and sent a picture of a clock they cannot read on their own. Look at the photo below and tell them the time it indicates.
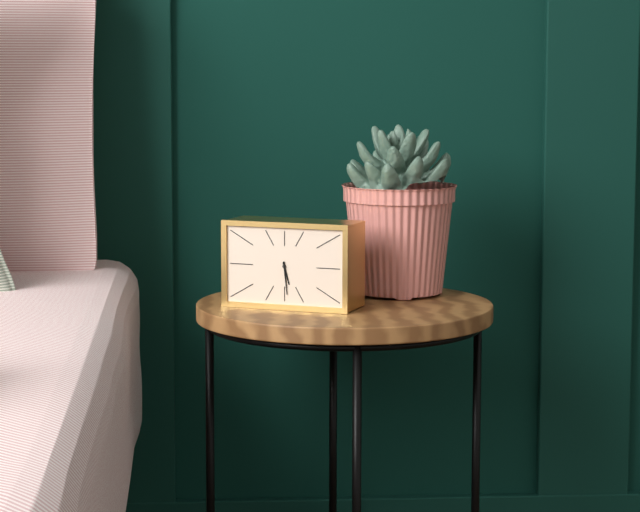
5:29
